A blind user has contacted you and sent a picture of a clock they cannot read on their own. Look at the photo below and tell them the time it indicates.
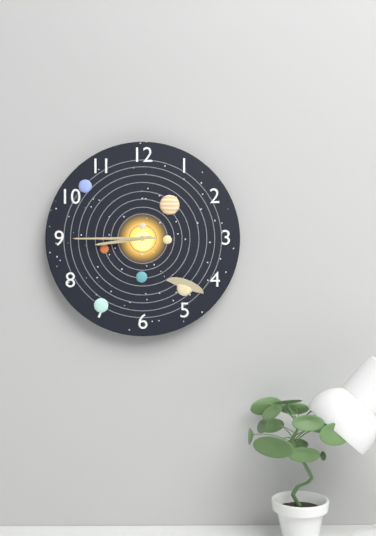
8:45
